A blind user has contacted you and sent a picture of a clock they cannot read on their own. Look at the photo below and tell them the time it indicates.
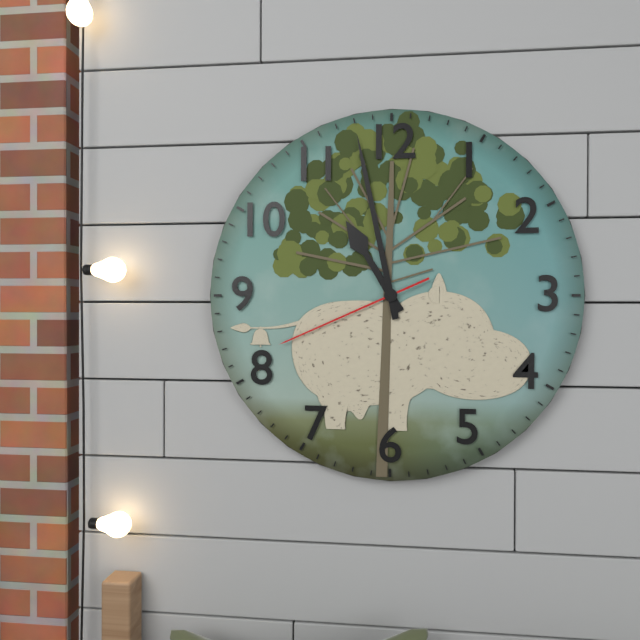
10:58:41
